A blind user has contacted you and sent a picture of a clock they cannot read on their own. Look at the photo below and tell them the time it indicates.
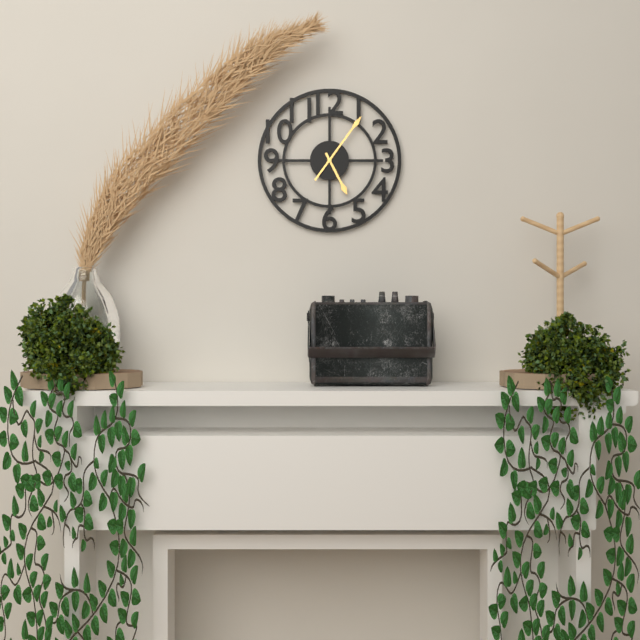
5:06
